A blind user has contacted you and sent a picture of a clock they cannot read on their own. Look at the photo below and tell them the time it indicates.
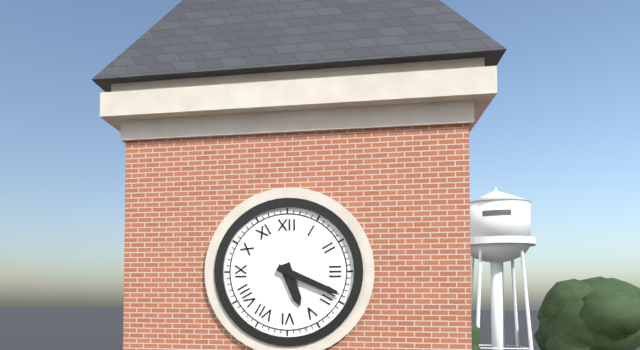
5:19
